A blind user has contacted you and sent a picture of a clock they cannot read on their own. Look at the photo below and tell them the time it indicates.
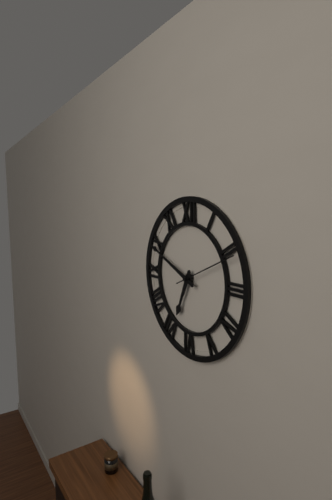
6:49:11
